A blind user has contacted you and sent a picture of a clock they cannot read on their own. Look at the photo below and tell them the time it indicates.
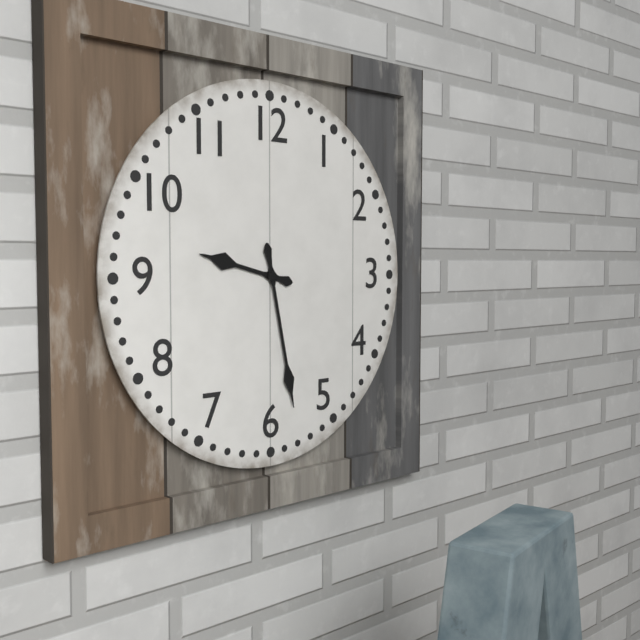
9:28
